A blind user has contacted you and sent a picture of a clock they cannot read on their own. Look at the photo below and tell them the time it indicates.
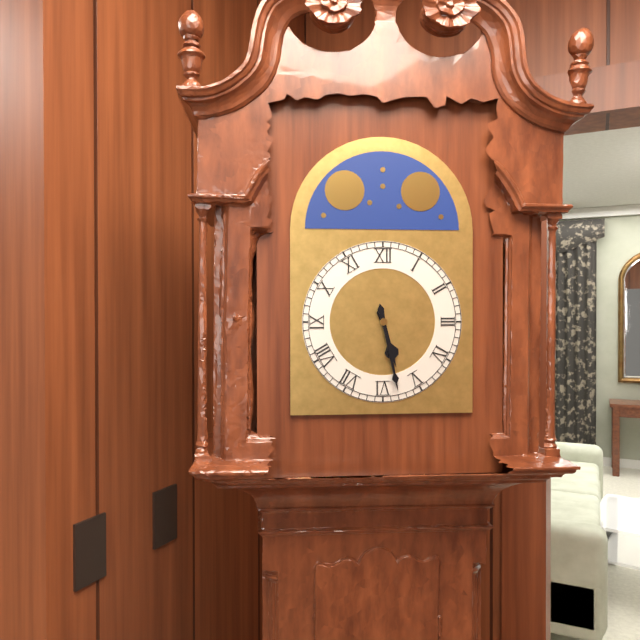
5:28
